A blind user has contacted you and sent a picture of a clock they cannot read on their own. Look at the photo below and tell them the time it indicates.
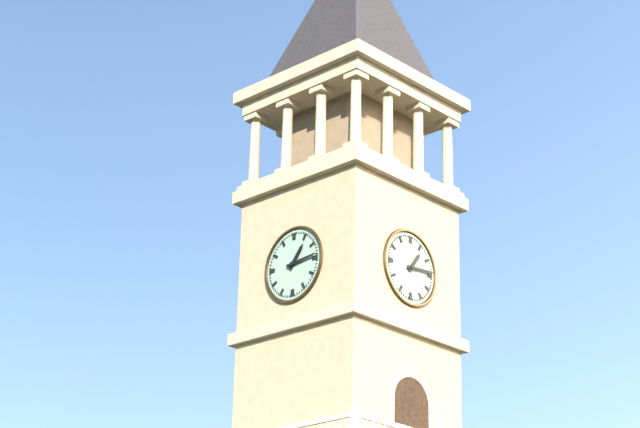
1:14
